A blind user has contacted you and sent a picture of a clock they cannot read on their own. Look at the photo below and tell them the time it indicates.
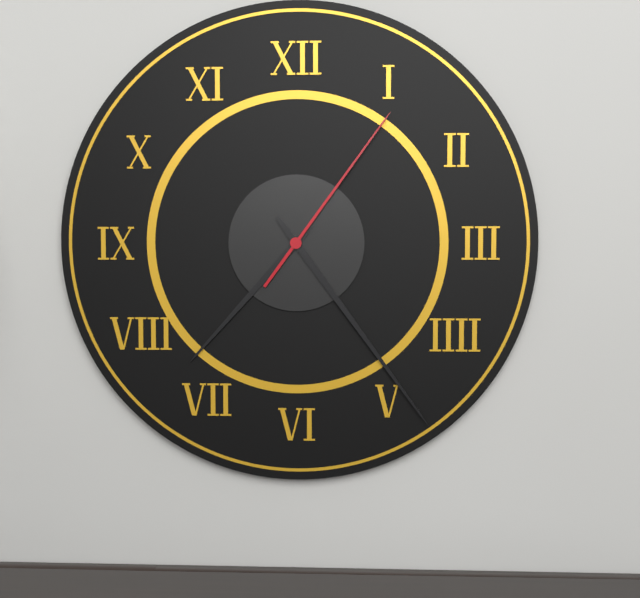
7:24:06
